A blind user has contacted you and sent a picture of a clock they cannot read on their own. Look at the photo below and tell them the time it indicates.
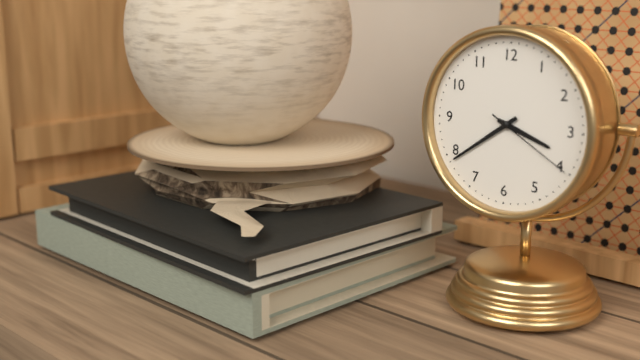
3:39:20
